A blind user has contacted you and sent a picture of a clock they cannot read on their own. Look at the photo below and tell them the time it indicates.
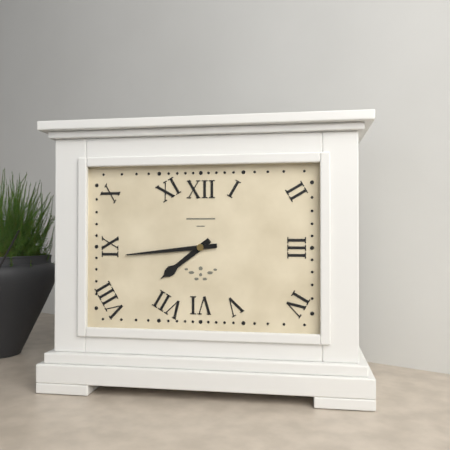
7:44
